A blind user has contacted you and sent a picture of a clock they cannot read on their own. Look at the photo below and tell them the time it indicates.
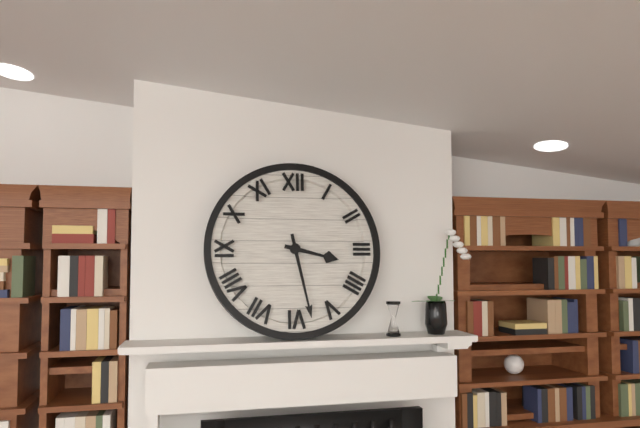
3:28
